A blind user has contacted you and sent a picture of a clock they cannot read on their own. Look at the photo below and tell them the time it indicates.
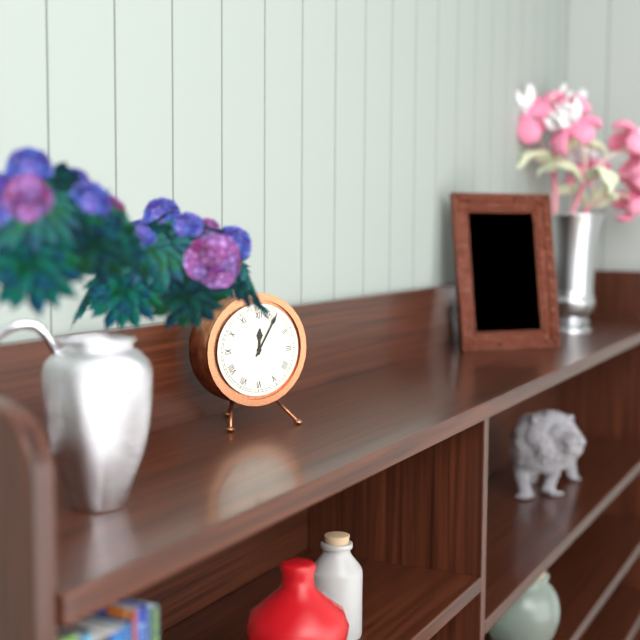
12:05
